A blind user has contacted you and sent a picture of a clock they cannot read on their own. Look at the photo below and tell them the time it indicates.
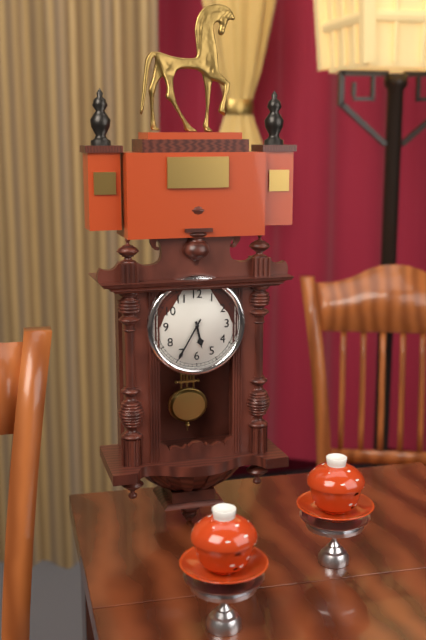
5:35
